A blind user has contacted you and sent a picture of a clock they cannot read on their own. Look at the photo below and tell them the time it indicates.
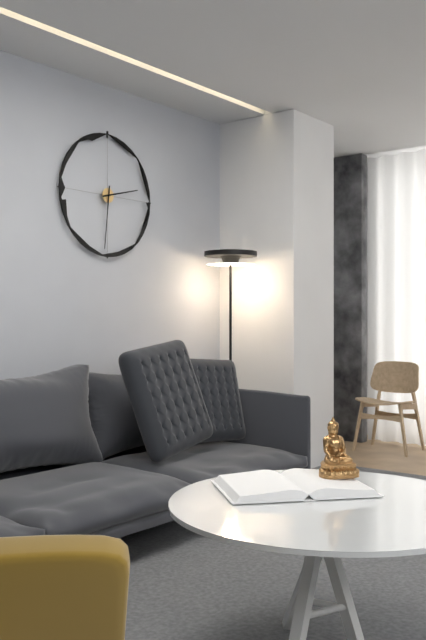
2:31
